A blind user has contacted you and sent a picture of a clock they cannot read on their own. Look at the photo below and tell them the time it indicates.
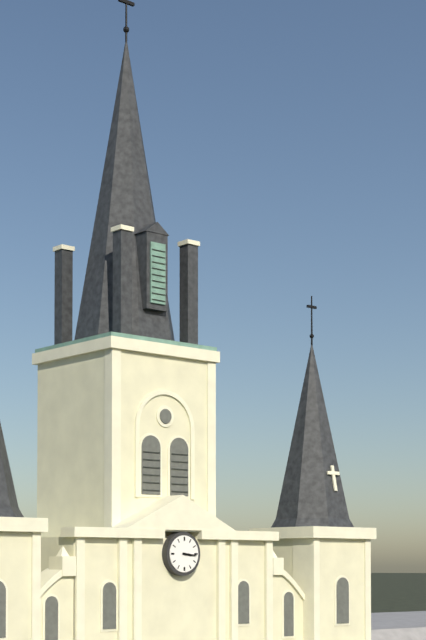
3:16
